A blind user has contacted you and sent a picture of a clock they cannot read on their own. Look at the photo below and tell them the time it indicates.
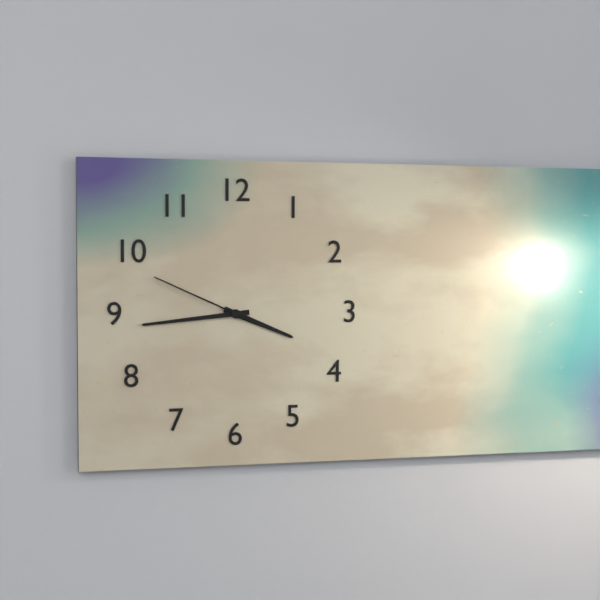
3:44:49
